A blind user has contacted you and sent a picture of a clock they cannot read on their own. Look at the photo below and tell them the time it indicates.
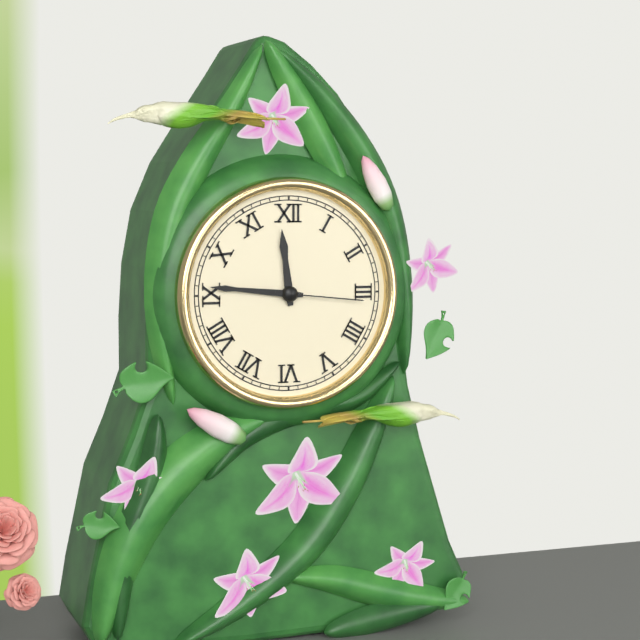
11:46:16
